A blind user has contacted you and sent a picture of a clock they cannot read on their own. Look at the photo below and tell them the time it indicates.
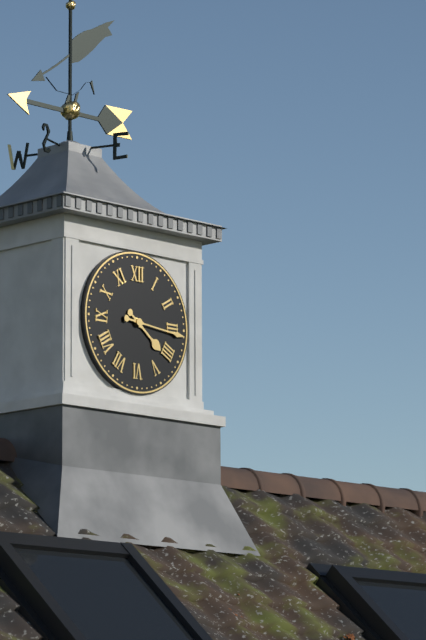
4:16
